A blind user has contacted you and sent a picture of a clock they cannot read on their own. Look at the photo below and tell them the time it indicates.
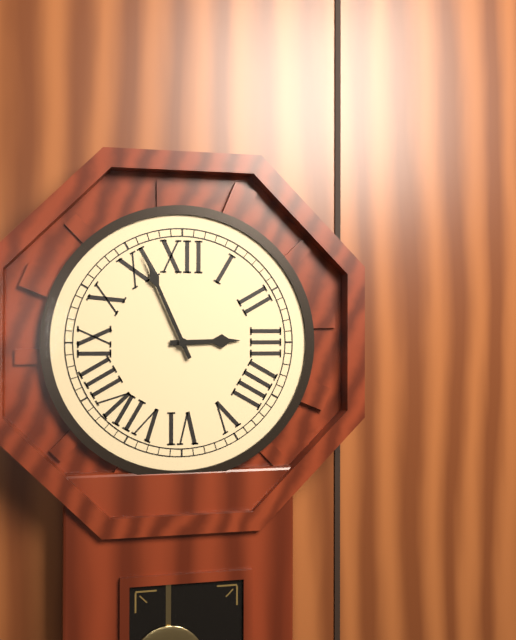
2:56
